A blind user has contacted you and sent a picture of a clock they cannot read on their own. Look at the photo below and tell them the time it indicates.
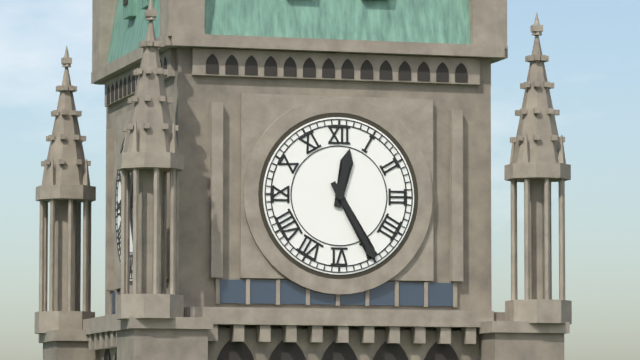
12:25
